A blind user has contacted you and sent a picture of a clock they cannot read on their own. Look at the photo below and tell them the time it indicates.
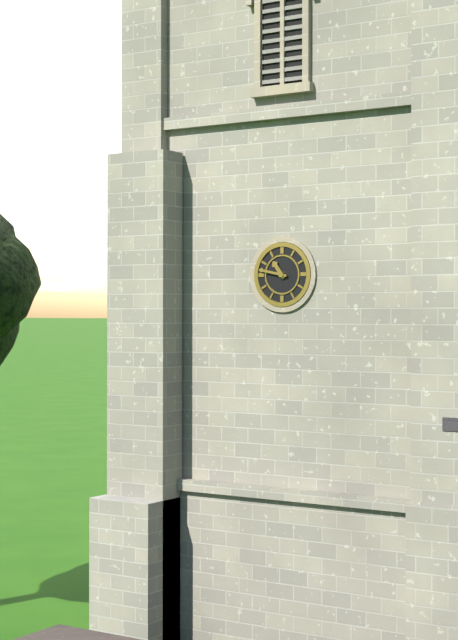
10:47
